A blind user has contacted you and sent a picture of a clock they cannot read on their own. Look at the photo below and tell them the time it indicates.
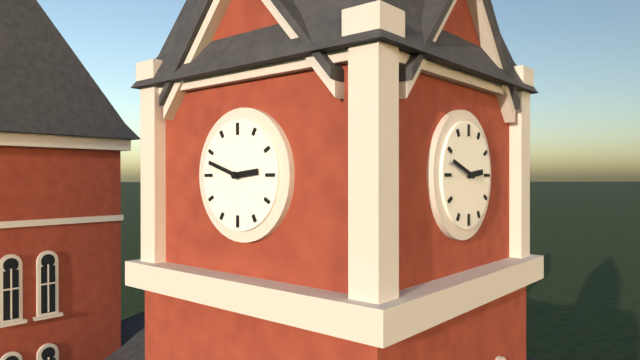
2:48
